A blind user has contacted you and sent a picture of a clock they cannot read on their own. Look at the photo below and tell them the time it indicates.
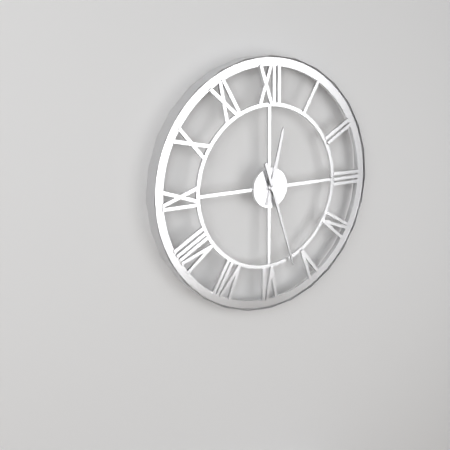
12:27
